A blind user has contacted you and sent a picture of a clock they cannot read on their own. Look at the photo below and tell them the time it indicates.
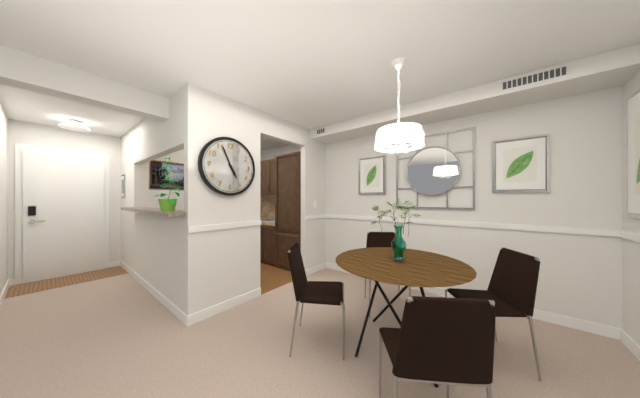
4:56
